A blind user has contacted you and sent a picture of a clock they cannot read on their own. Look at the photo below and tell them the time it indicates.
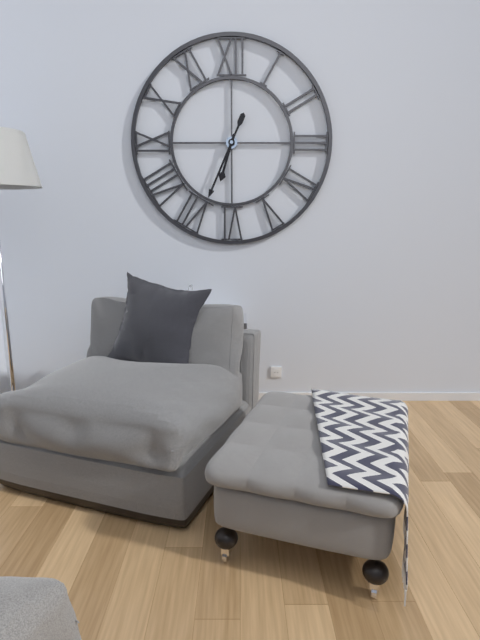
6:34
